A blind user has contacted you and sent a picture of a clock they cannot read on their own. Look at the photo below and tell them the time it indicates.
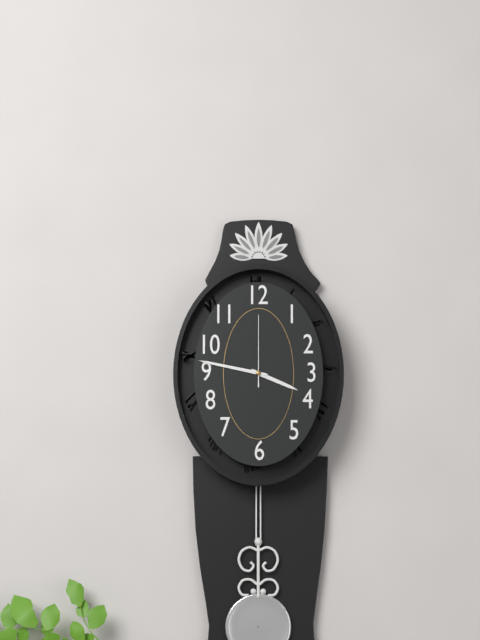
3:47:00
